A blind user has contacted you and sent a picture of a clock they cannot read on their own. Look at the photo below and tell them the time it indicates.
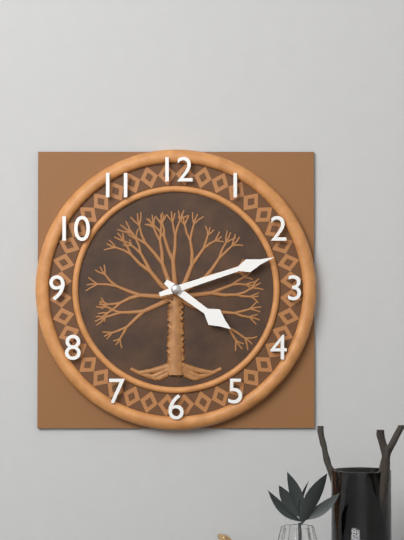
4:12
